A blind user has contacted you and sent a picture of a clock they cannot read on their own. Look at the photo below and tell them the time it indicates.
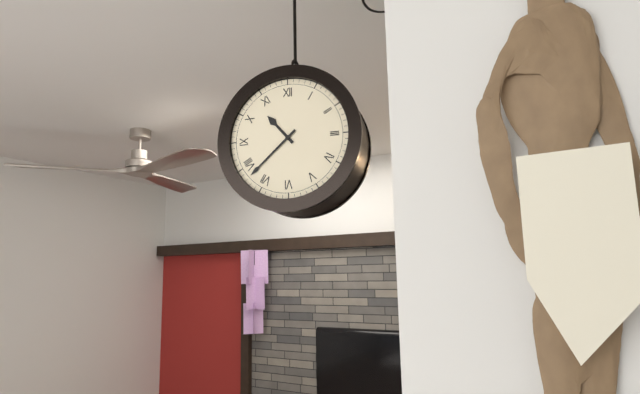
10:38
